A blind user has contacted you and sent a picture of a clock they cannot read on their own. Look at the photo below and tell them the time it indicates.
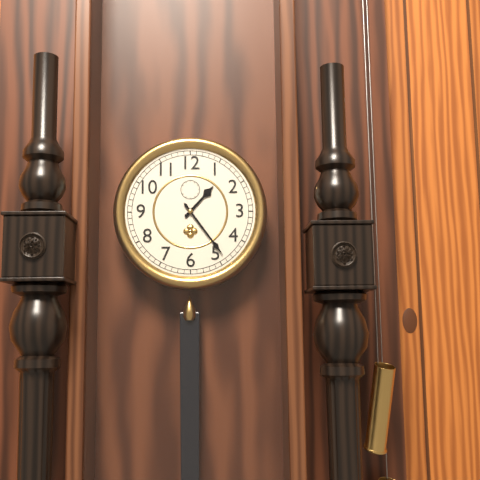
1:24
